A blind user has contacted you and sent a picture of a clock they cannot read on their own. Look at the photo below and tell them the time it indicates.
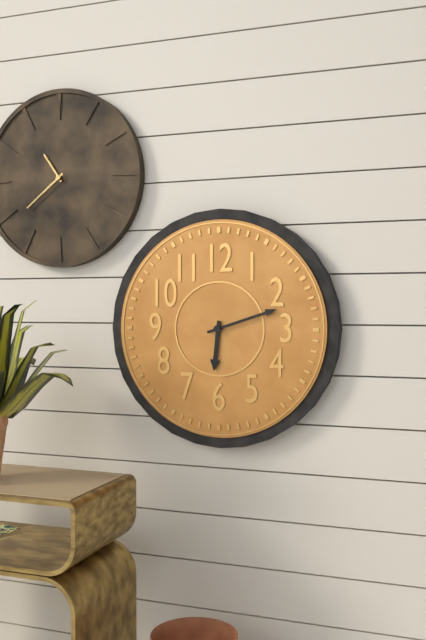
6:12
